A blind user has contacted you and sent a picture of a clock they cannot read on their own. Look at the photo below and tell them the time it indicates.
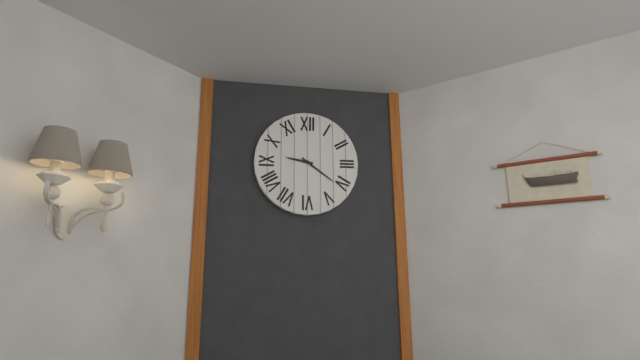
9:21
